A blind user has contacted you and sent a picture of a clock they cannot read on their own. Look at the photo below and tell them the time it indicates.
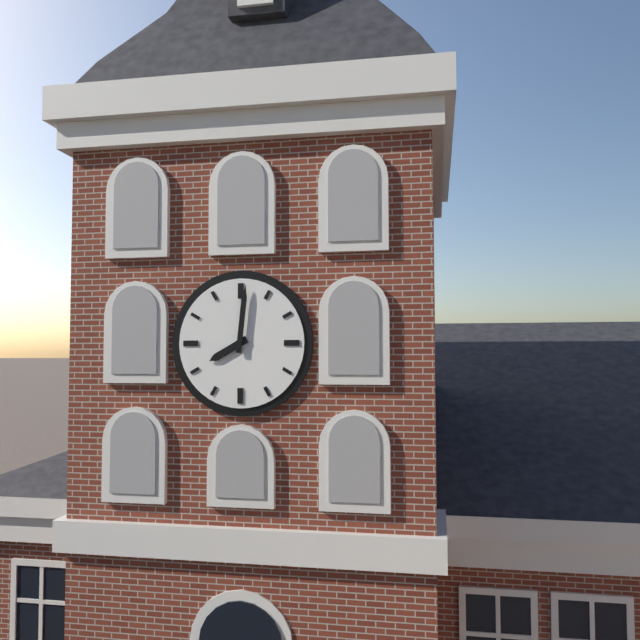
8:01
